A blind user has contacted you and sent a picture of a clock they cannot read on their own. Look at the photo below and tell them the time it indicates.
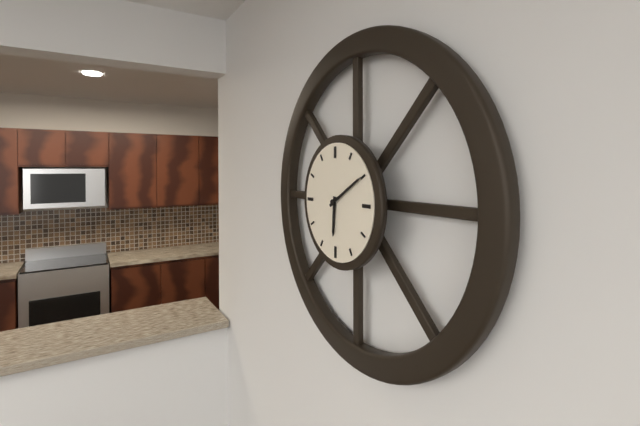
6:10
